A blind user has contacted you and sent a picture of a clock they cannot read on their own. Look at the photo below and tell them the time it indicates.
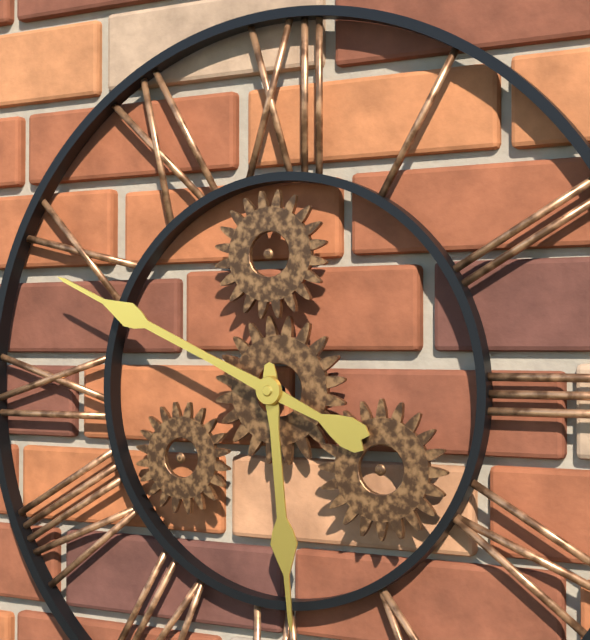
5:49
